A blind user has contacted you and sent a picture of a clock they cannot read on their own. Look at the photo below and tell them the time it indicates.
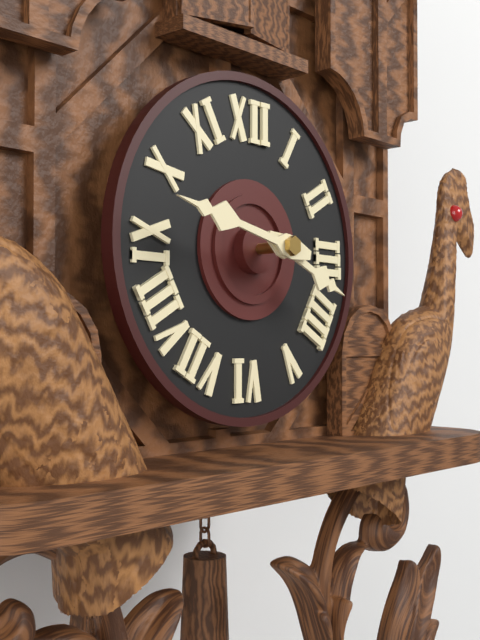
3:47
